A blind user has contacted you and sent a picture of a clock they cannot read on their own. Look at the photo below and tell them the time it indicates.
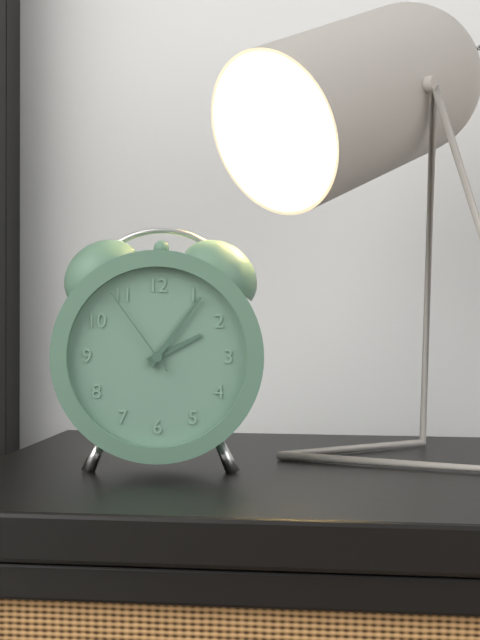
2:06:54
